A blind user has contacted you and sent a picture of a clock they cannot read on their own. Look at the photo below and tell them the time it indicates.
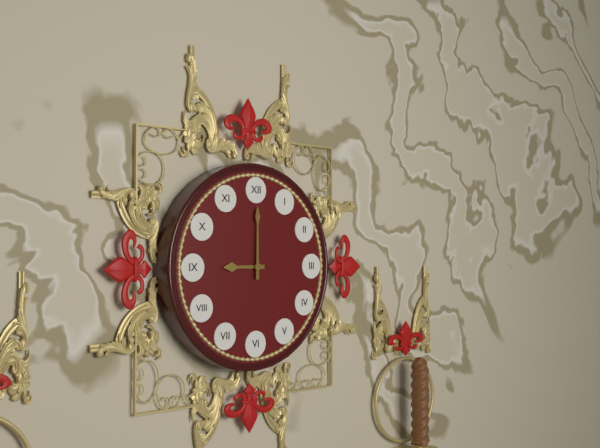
9:00
